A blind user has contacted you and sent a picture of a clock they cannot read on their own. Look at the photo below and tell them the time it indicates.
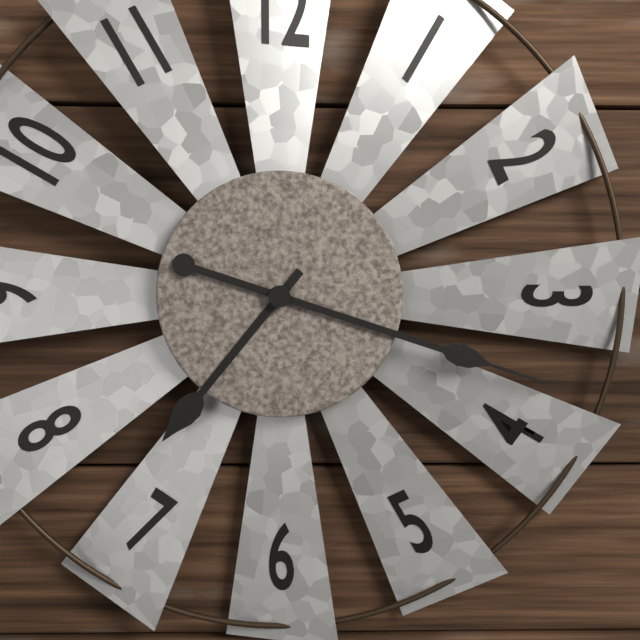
7:18
